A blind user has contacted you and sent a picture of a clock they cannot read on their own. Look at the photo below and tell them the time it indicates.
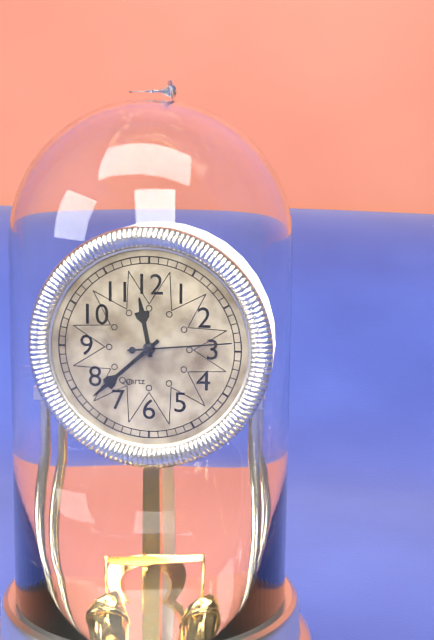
11:38:14
